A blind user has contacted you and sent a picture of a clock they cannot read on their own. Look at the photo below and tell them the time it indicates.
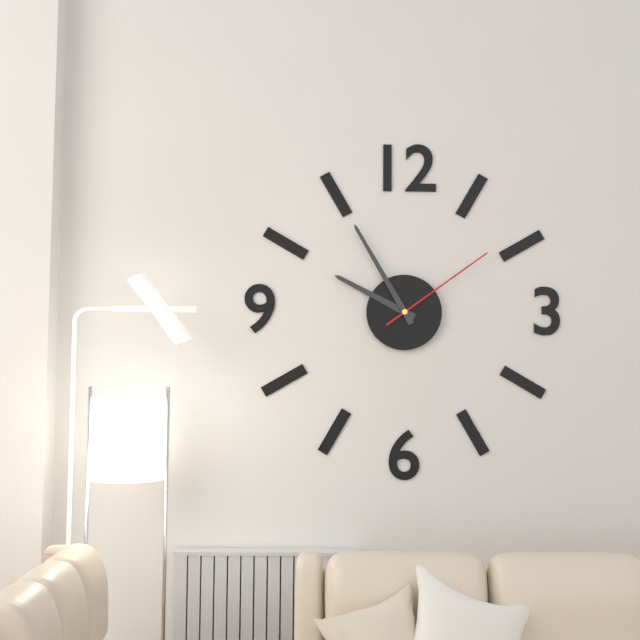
9:55:09
